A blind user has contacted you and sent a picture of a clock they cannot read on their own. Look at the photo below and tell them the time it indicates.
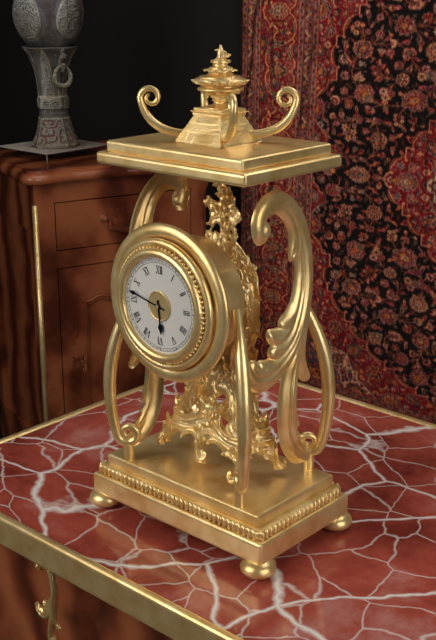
5:47
